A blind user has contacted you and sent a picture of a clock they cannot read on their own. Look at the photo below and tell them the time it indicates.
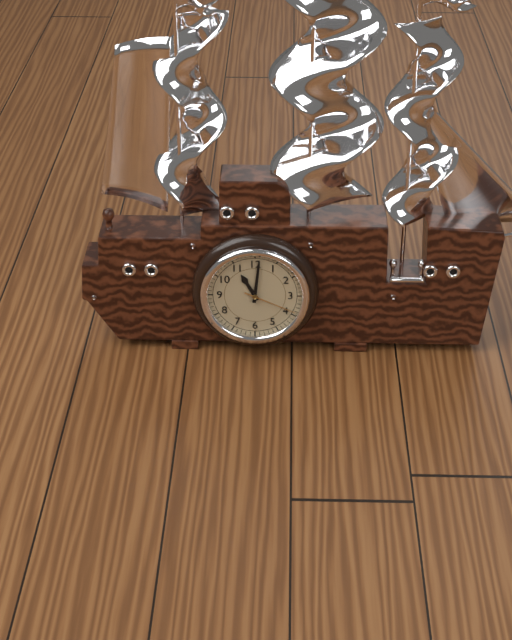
11:01:19
